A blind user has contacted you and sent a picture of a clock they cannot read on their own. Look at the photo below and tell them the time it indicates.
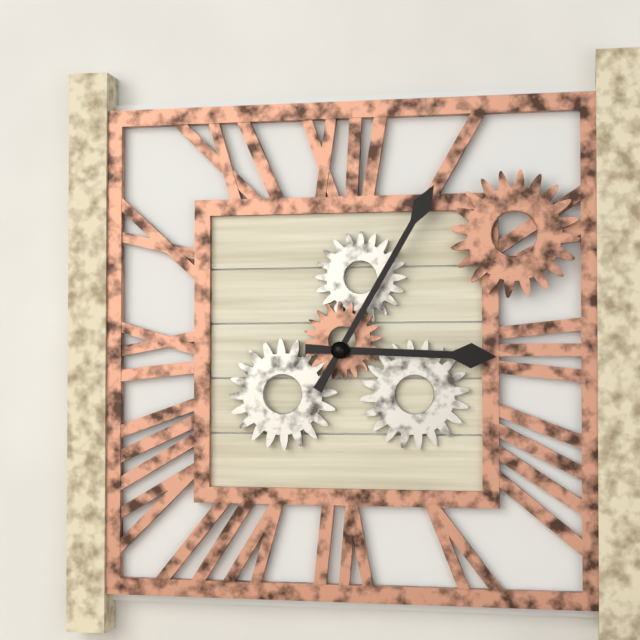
3:05
